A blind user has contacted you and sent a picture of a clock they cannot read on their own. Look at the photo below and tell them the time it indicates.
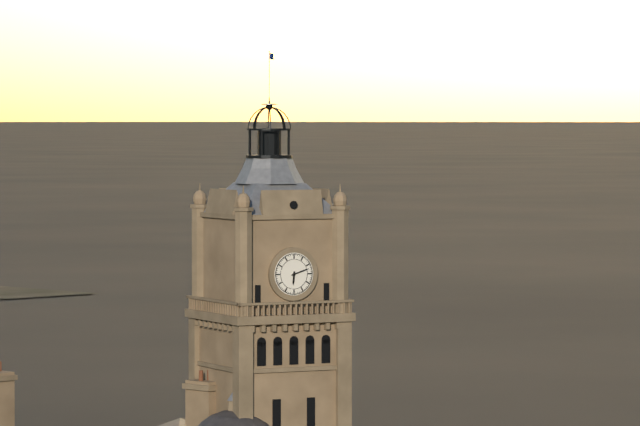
6:12
